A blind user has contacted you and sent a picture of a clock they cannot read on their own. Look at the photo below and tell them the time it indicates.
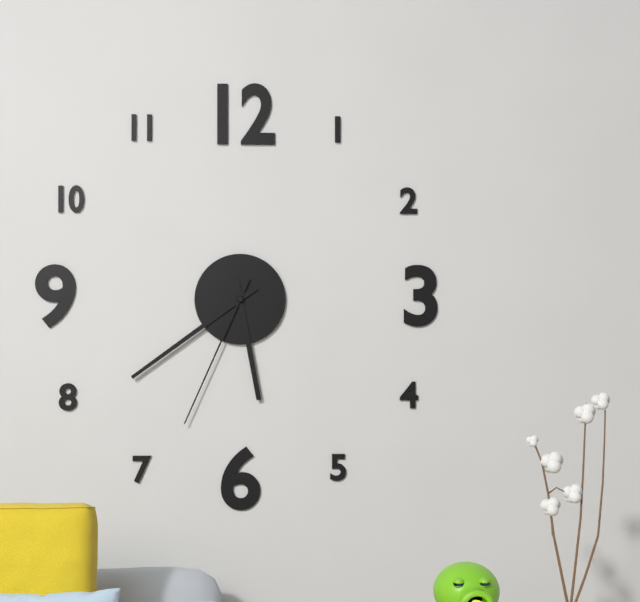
5:39:34
